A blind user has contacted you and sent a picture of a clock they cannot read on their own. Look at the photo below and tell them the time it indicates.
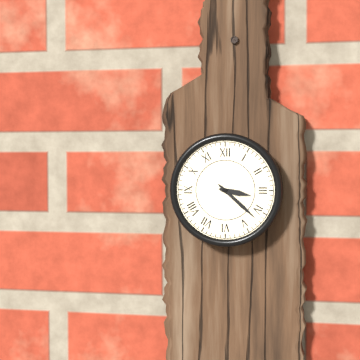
3:22
